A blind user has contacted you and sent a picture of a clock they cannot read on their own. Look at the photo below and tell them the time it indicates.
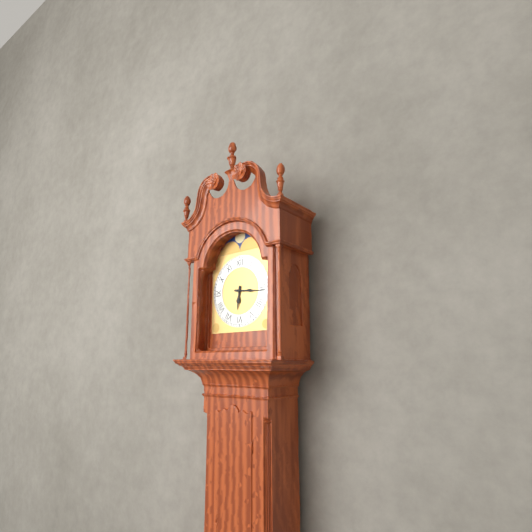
6:16
